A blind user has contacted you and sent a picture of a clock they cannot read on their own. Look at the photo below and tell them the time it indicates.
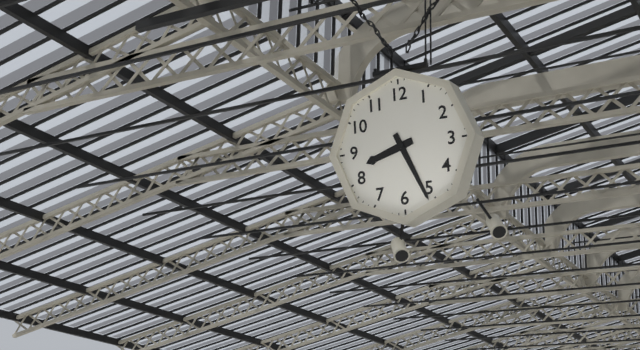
8:26
